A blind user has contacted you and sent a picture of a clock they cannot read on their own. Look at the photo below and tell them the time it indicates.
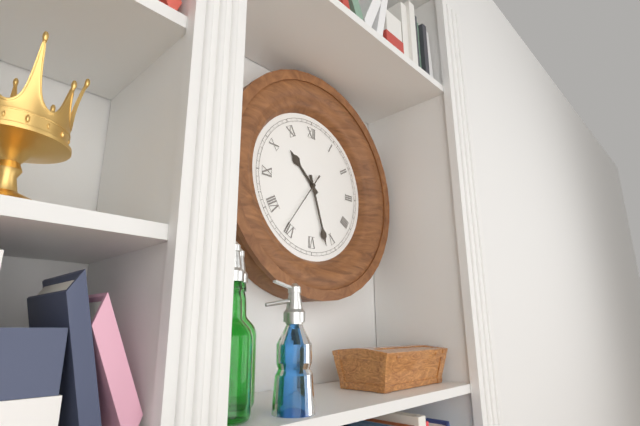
10:27:36
